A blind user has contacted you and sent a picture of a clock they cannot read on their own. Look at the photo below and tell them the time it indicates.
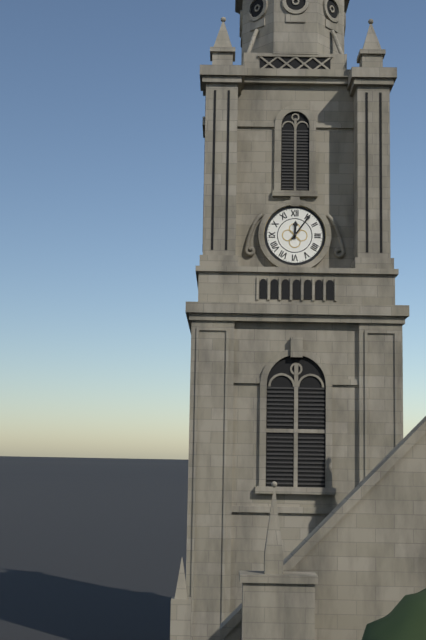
12:06
